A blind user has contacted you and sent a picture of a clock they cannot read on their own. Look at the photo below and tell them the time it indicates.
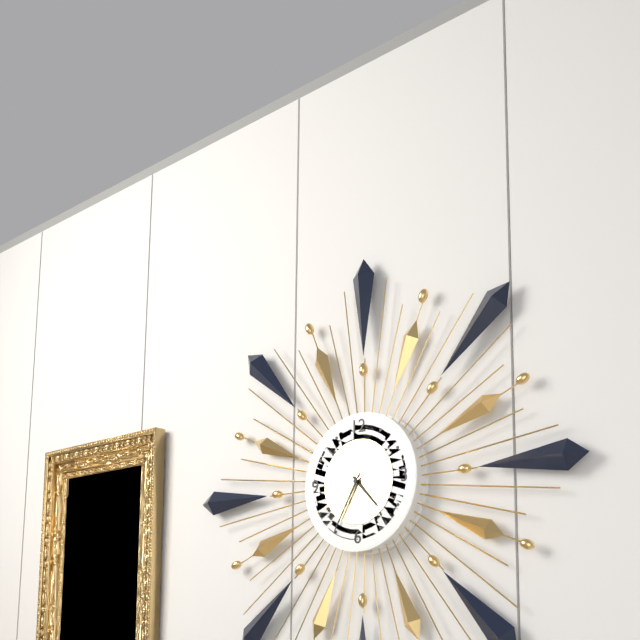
4:35:40
